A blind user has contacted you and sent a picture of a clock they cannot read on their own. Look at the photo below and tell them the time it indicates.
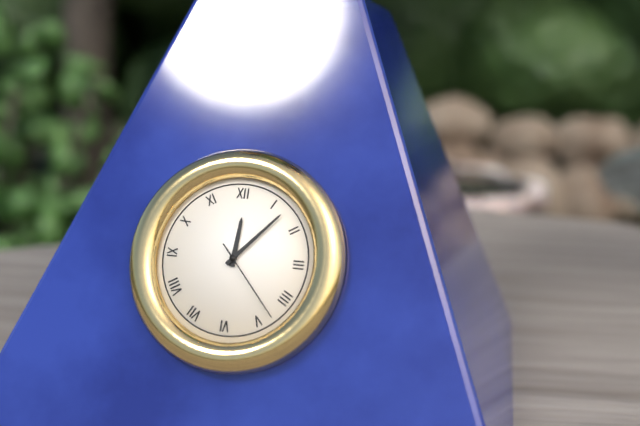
12:07:23
